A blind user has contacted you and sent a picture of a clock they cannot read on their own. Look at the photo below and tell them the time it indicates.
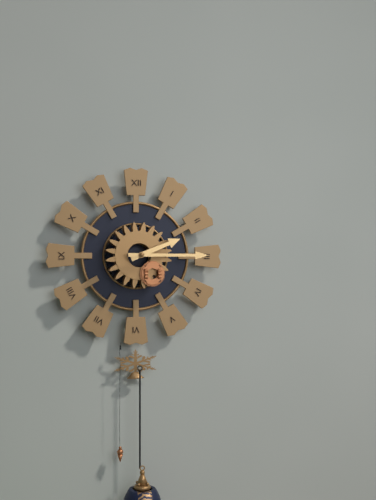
2:15
